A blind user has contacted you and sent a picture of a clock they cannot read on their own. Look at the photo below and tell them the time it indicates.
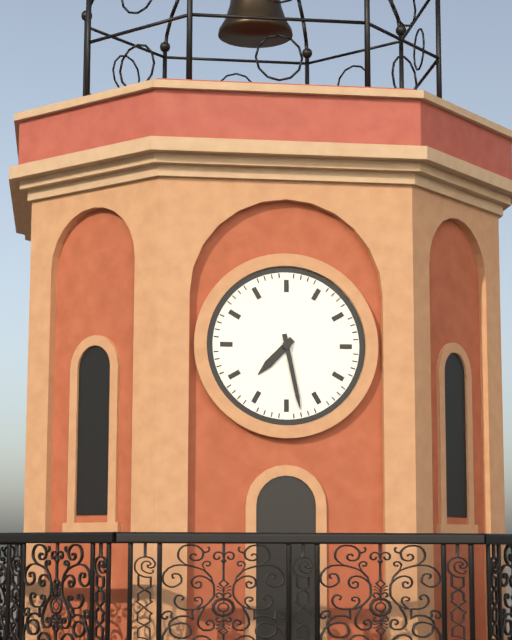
7:28
